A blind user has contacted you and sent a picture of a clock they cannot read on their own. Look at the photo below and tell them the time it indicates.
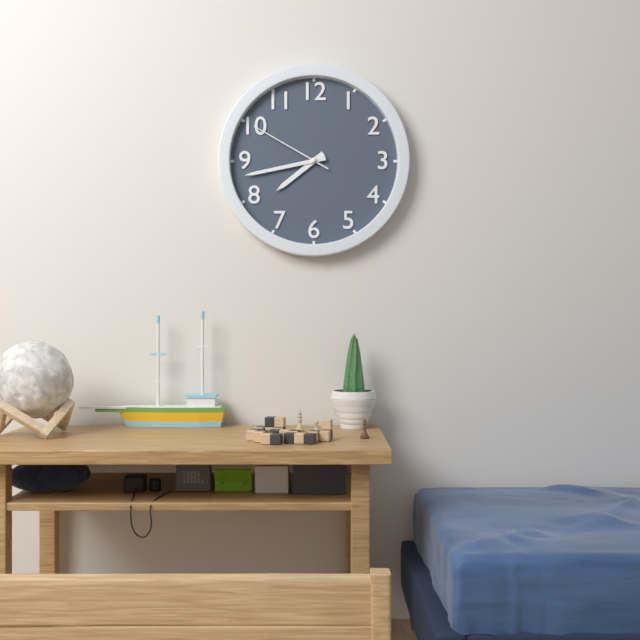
7:43:50
